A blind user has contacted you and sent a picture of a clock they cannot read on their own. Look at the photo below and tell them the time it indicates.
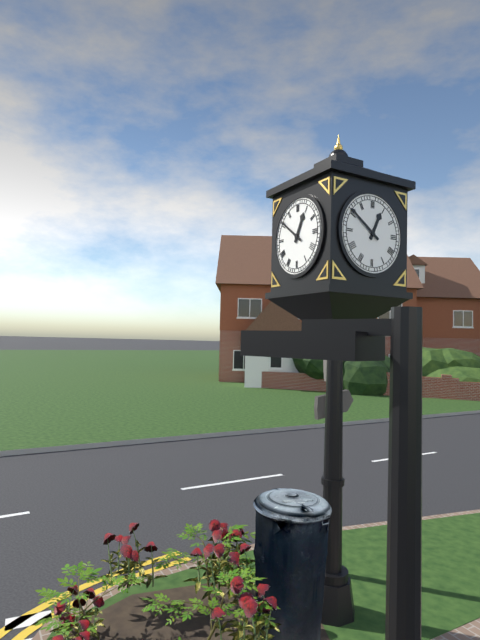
12:51
